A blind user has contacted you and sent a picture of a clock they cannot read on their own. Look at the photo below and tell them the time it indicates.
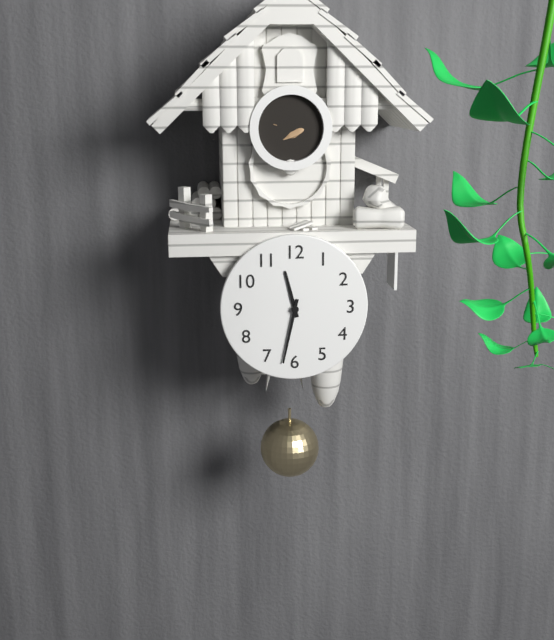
11:32
